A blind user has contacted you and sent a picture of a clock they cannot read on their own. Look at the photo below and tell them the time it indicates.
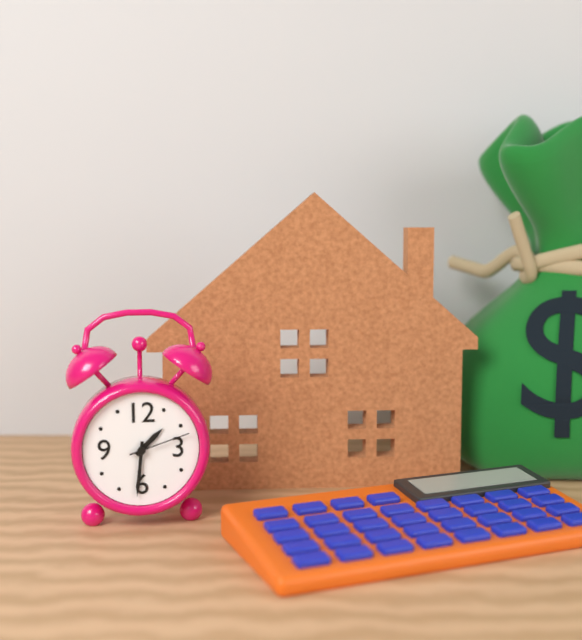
1:31:12
